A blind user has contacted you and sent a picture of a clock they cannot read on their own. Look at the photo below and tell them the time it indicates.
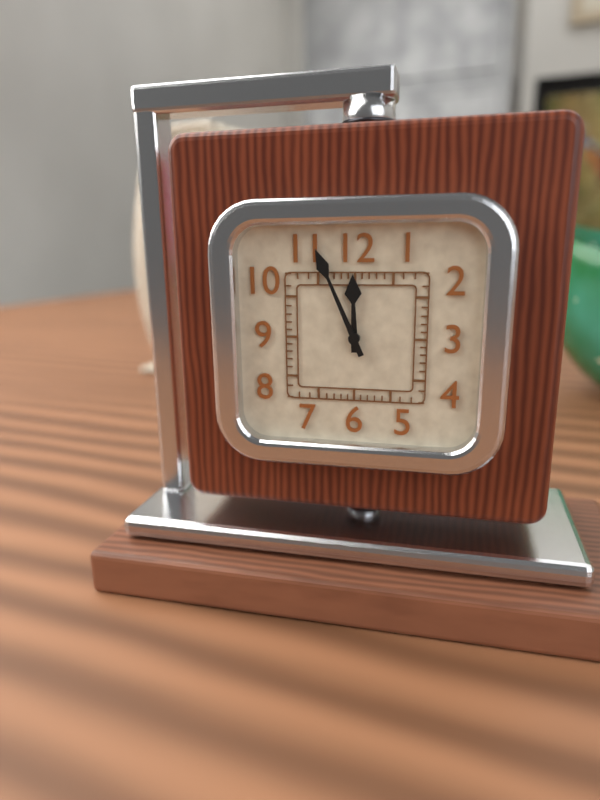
11:56
